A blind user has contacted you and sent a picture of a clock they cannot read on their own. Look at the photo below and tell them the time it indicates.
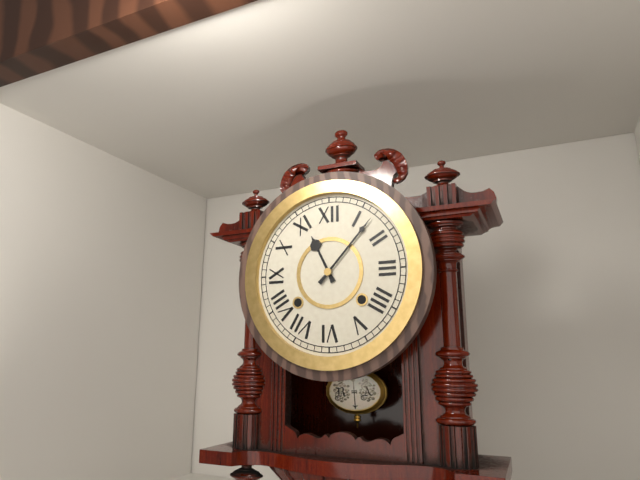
11:07
